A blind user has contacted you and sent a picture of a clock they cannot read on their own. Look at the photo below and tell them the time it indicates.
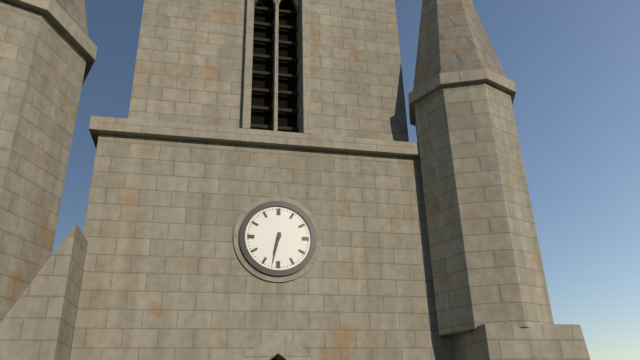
6:32
